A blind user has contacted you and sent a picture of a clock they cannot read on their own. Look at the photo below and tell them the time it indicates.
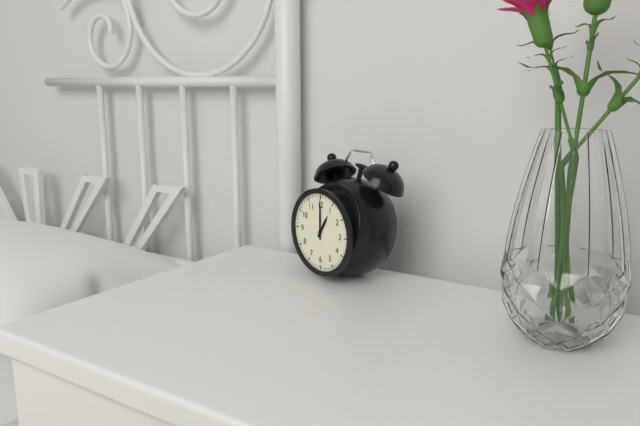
1:00
